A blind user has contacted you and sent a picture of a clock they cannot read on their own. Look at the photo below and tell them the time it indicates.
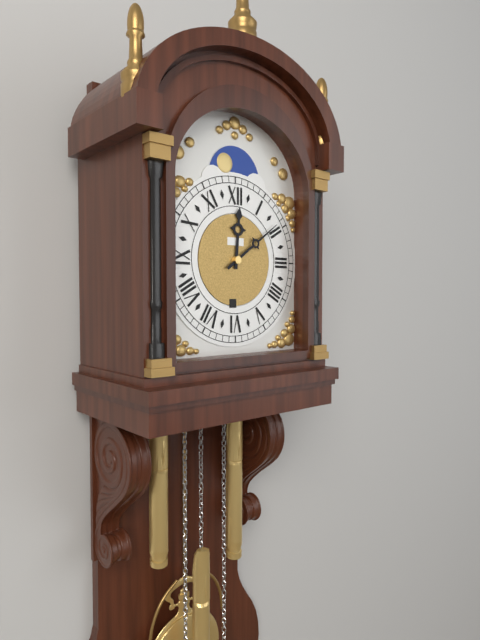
12:09
